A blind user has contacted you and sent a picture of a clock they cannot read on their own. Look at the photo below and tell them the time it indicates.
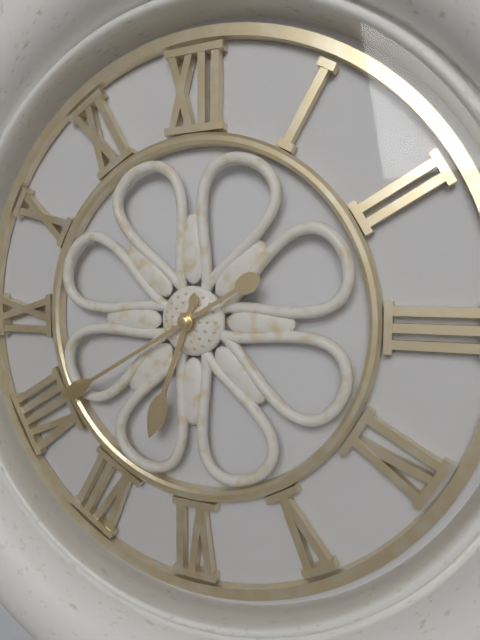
6:40
